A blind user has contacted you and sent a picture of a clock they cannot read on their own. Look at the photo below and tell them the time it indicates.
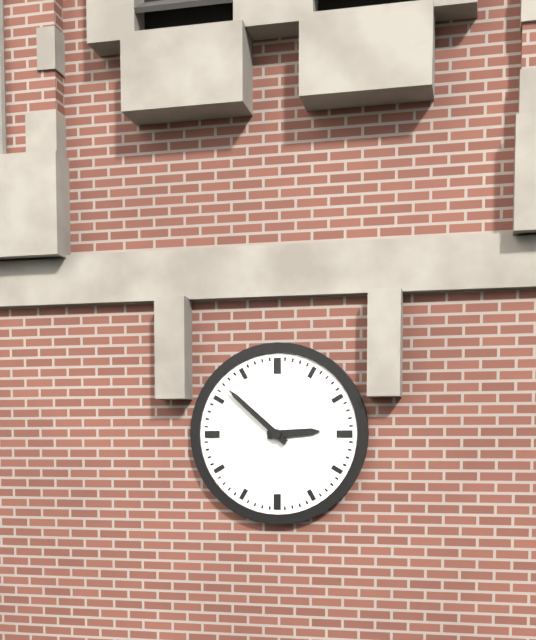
2:52
